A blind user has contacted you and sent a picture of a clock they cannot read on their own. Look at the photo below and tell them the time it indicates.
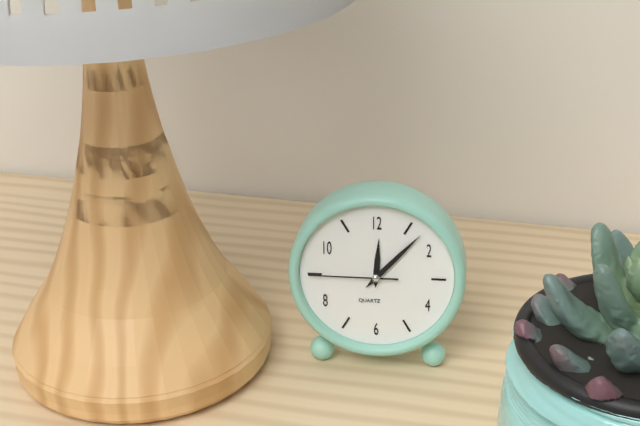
12:07:45
